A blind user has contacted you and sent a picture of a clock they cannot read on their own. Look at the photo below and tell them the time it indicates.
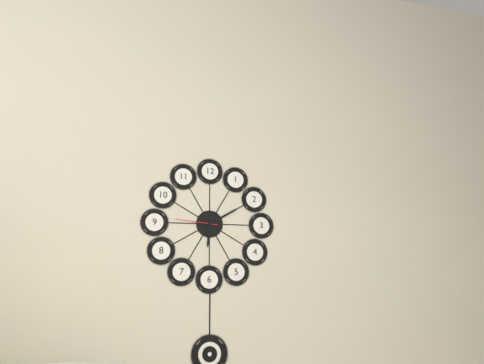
6:10
